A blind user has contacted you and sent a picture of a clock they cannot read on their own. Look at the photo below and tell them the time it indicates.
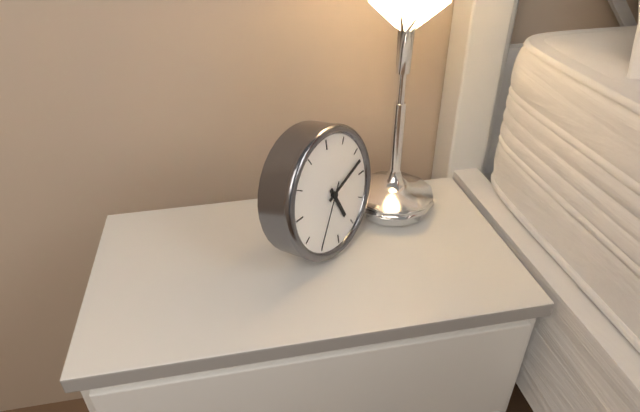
5:12:36
